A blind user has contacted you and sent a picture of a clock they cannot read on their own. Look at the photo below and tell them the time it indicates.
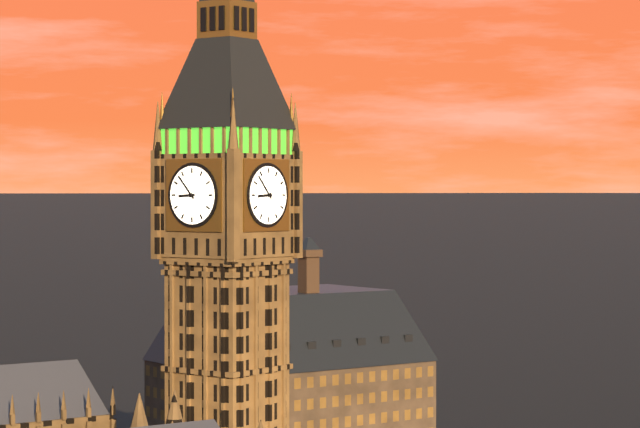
8:53
